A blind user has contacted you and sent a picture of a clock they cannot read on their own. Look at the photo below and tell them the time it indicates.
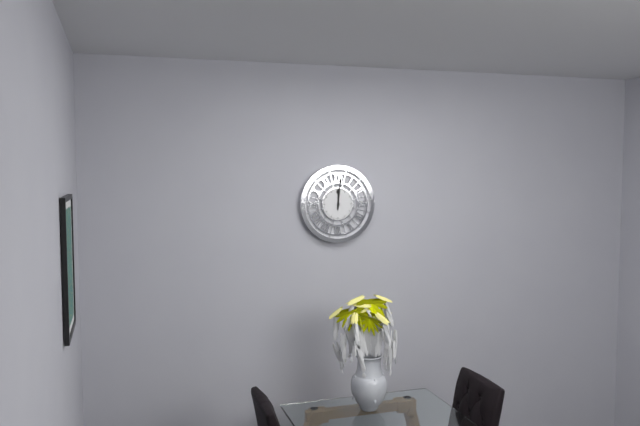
12:01
